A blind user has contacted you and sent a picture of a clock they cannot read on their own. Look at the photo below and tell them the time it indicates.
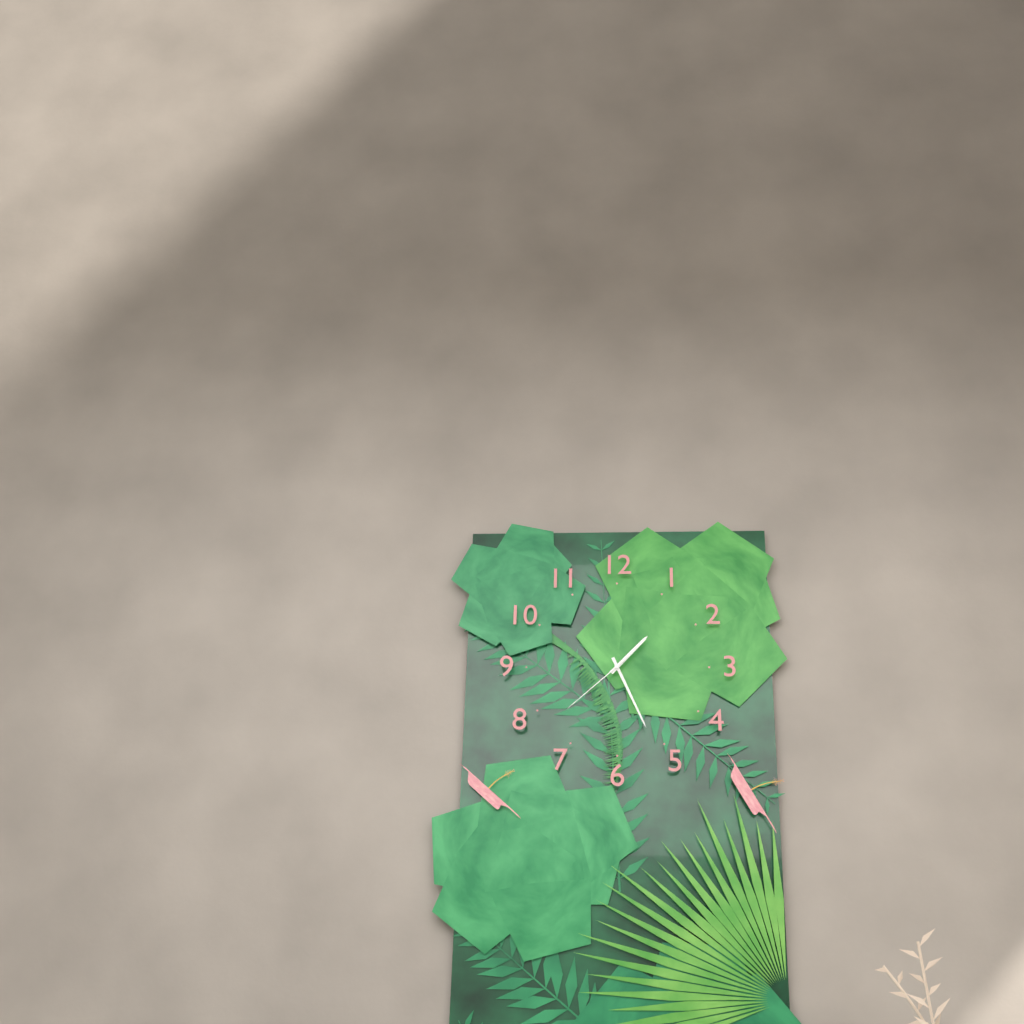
1:26:38
